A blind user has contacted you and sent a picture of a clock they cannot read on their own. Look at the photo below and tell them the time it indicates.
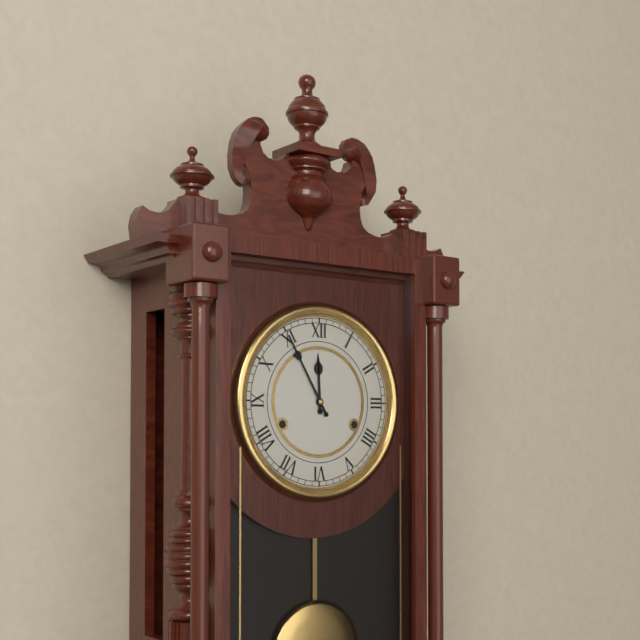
11:55
